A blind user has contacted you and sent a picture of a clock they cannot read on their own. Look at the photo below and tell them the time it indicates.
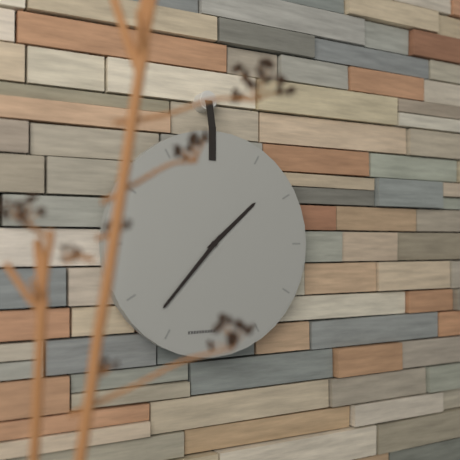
1:37
